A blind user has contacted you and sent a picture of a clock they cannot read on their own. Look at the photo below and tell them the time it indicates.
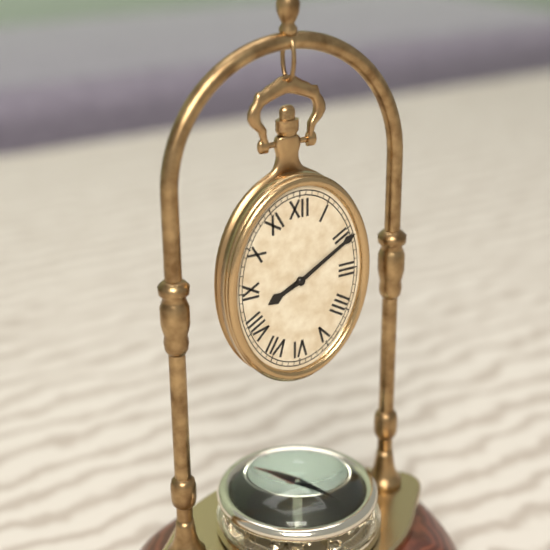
8:10
